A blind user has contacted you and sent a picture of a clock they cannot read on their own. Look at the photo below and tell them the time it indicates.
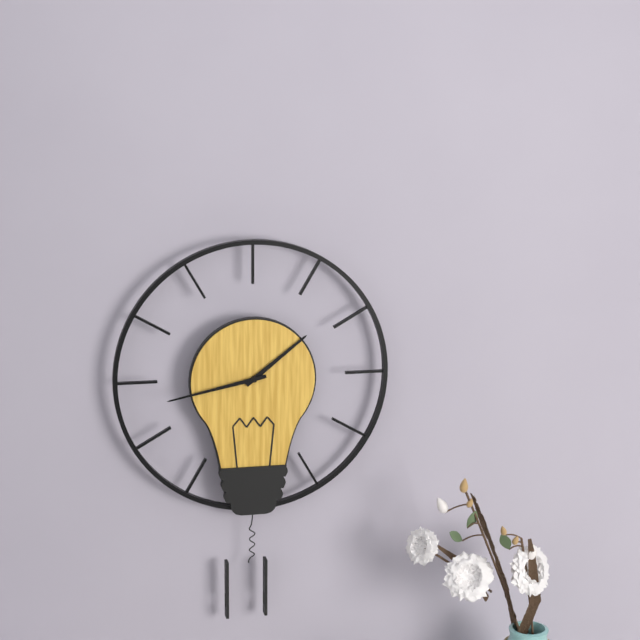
1:43
